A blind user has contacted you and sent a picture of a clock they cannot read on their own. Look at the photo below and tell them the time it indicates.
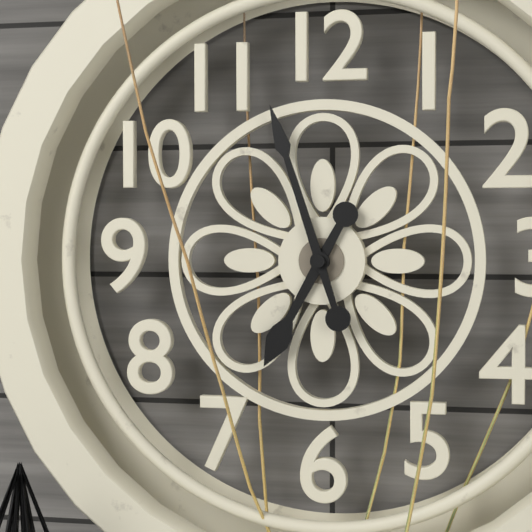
6:57
